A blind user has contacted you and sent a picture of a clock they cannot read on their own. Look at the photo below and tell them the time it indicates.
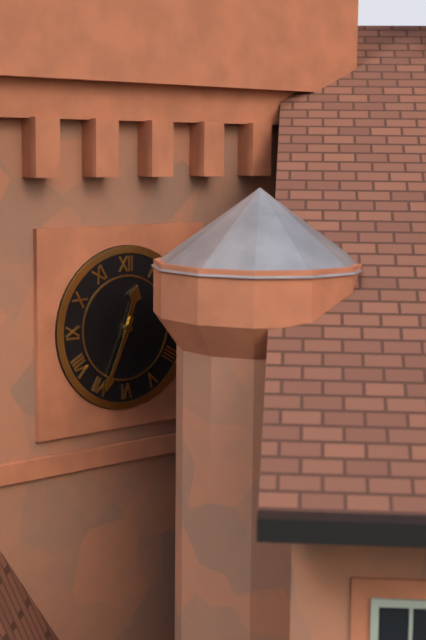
12:34
